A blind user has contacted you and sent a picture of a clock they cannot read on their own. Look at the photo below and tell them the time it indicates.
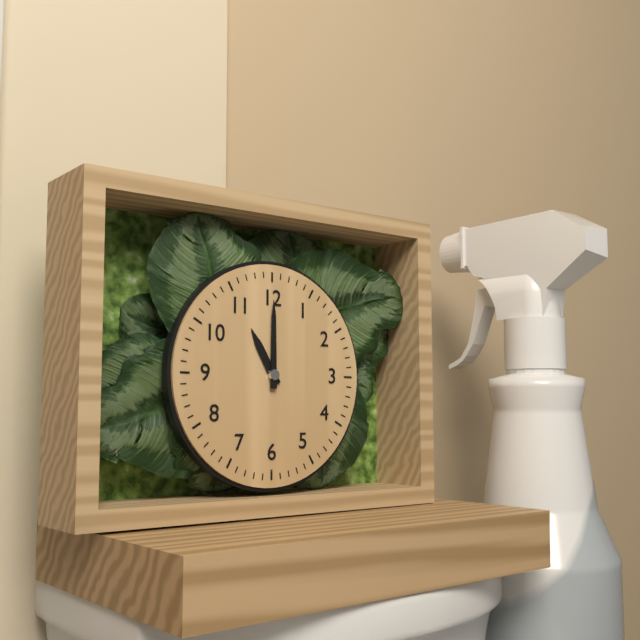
11:00
